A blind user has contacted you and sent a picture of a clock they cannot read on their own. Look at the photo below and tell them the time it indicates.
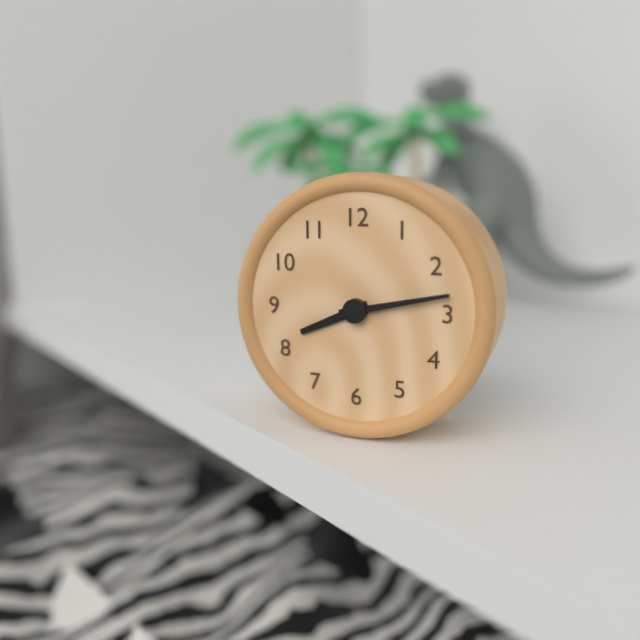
8:13
